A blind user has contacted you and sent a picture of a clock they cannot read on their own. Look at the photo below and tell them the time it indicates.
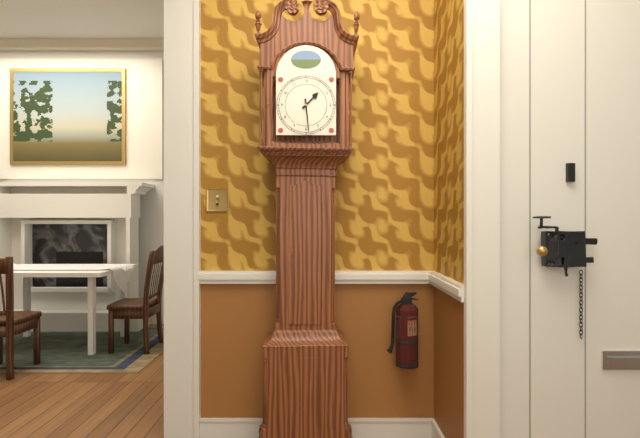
1:29
